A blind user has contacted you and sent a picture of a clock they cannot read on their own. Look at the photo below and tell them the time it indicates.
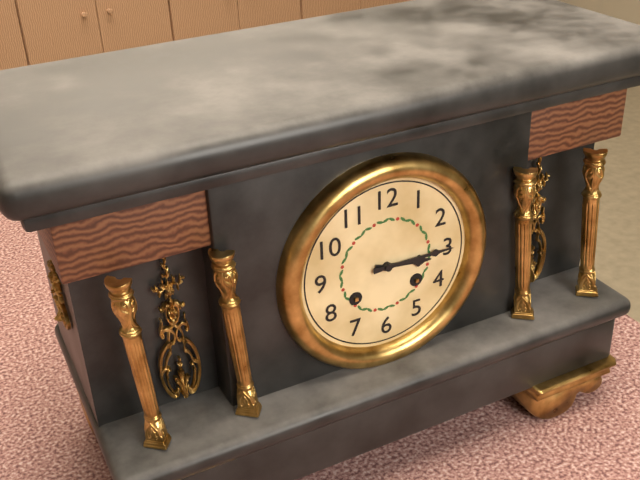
3:15
